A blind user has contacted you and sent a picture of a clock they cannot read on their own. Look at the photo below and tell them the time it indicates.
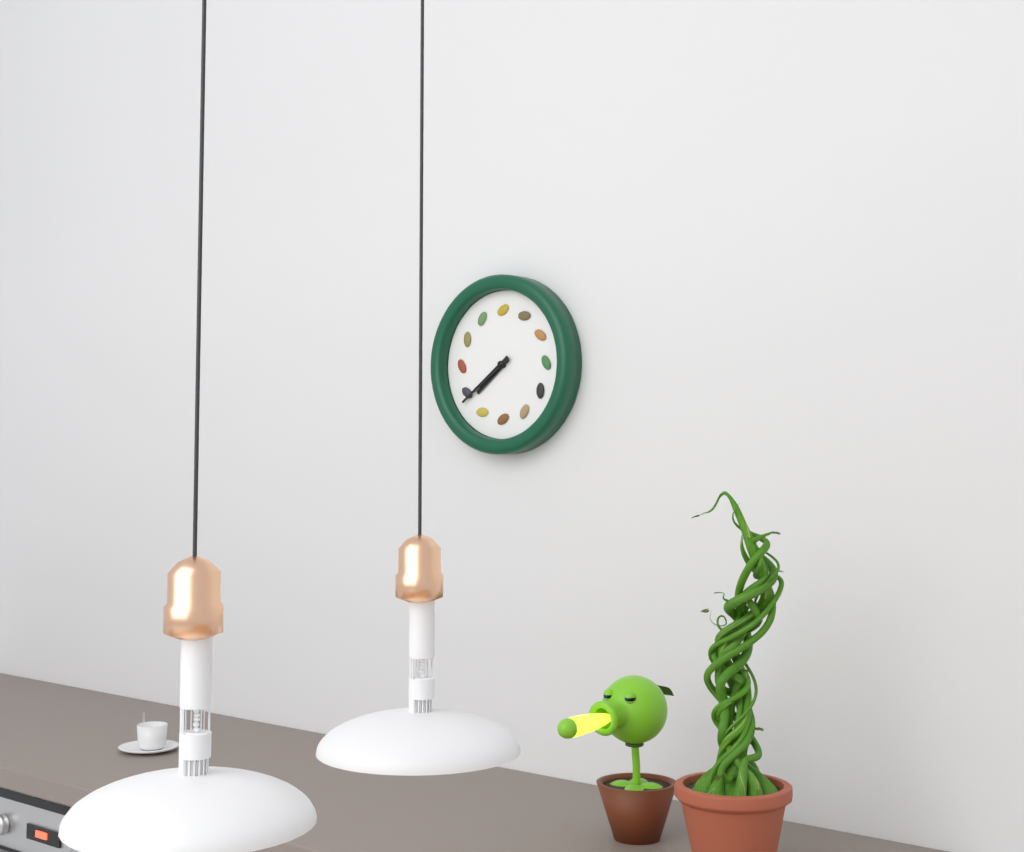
7:39
